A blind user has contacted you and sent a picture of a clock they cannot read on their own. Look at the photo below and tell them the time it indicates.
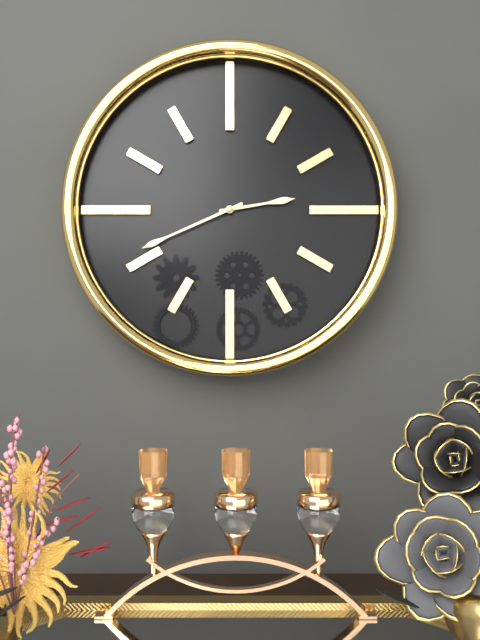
2:41
